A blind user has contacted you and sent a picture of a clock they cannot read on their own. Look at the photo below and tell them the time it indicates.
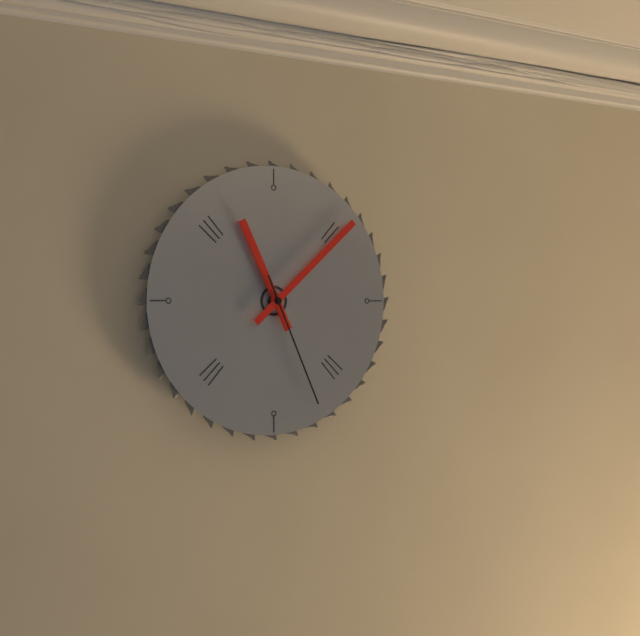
11:08:26
